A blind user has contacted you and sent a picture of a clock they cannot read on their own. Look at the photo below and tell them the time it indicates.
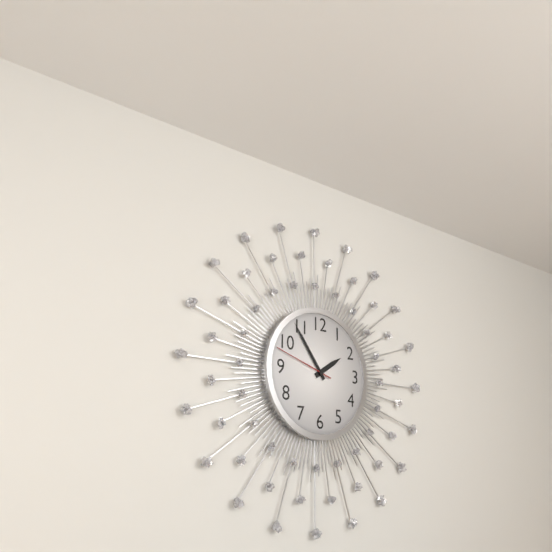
1:54:48
